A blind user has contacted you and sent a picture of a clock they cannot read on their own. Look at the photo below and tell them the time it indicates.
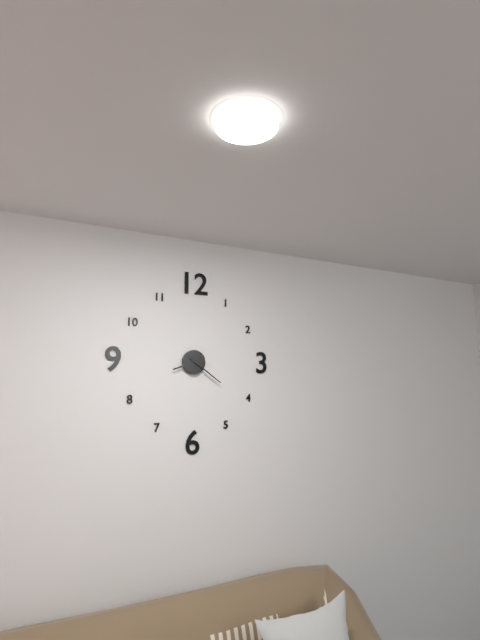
8:21
